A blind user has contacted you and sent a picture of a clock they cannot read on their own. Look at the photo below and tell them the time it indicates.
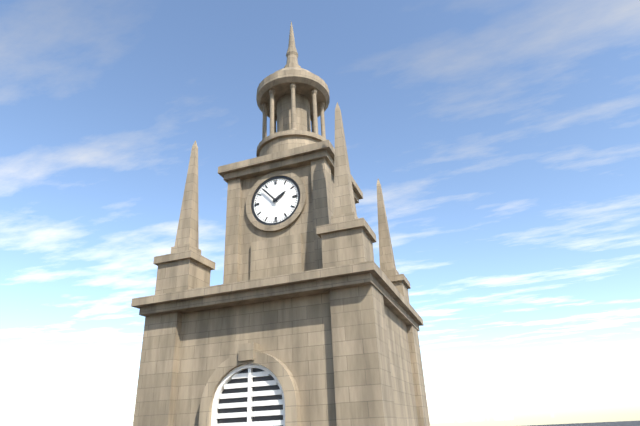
1:53
